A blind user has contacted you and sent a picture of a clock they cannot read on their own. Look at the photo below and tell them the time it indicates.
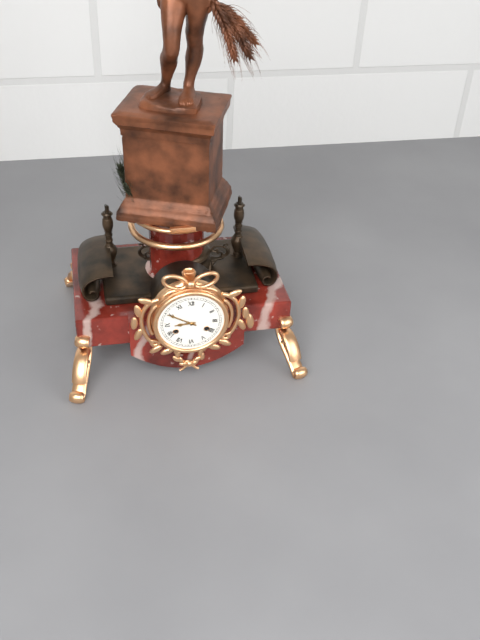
8:50
